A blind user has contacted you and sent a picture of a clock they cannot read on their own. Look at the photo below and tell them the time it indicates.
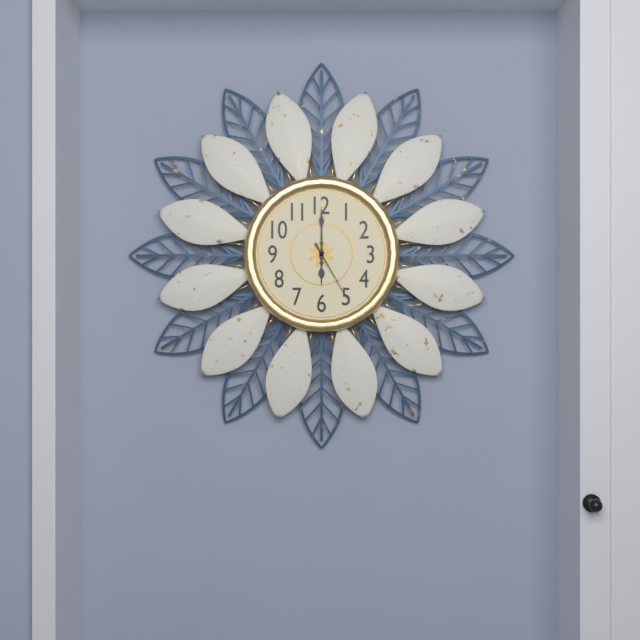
6:00:25
